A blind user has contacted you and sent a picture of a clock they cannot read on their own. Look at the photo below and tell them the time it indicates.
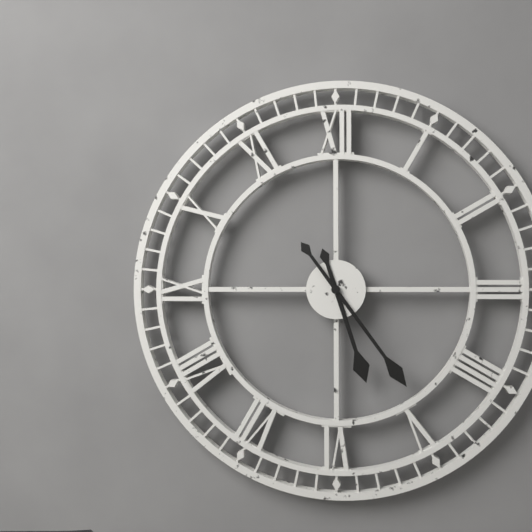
5:24
